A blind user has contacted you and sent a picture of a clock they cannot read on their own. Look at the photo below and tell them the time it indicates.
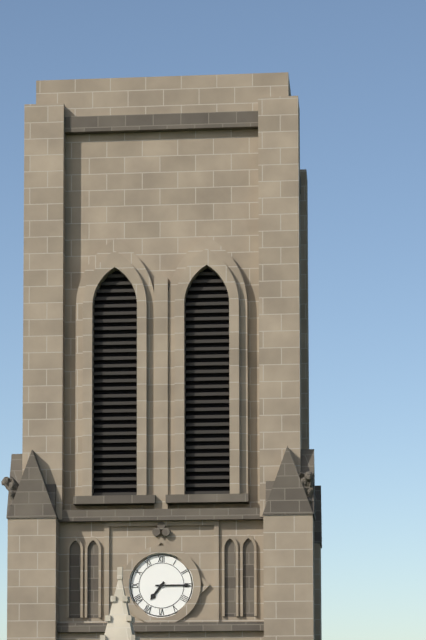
7:15
